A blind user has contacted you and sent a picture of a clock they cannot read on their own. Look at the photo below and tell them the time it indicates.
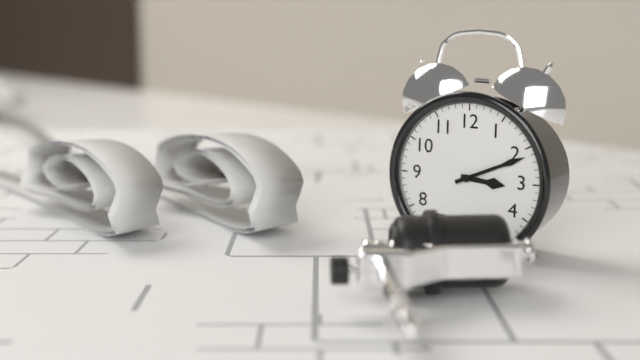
3:11
